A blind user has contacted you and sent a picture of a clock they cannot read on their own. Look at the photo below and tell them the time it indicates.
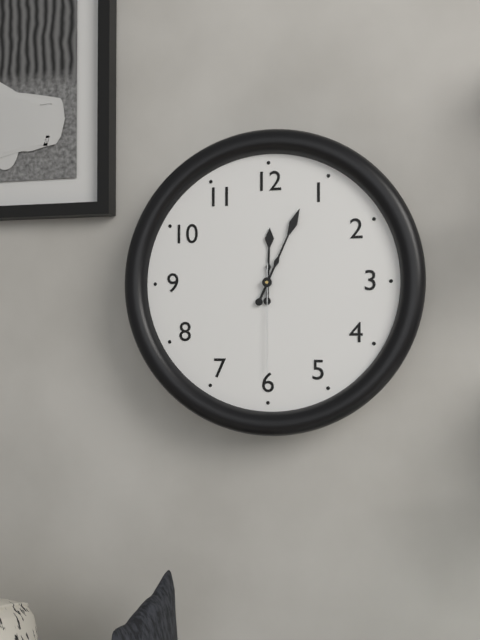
12:04:30
